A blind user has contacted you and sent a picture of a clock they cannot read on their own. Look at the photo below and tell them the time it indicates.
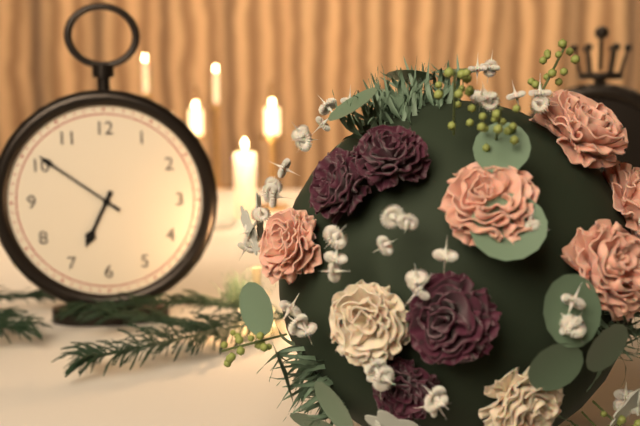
6:51
